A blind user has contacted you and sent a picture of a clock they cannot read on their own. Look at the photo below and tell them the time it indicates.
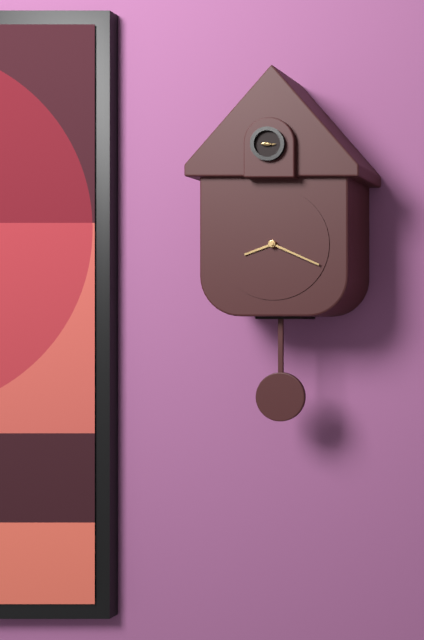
8:19
